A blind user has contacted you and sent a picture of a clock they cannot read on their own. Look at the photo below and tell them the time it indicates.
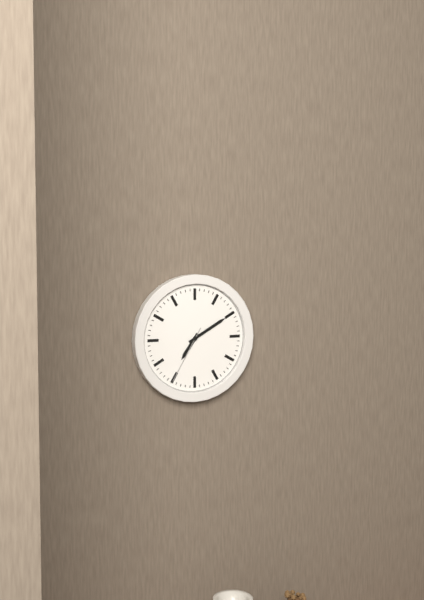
7:10:35
